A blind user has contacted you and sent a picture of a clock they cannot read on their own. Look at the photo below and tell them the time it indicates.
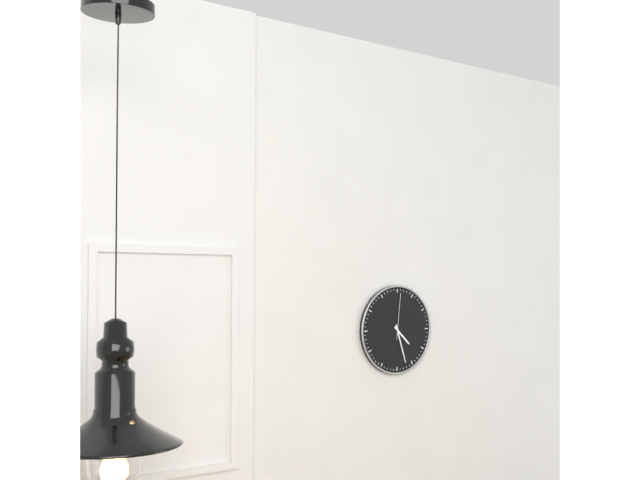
4:27
